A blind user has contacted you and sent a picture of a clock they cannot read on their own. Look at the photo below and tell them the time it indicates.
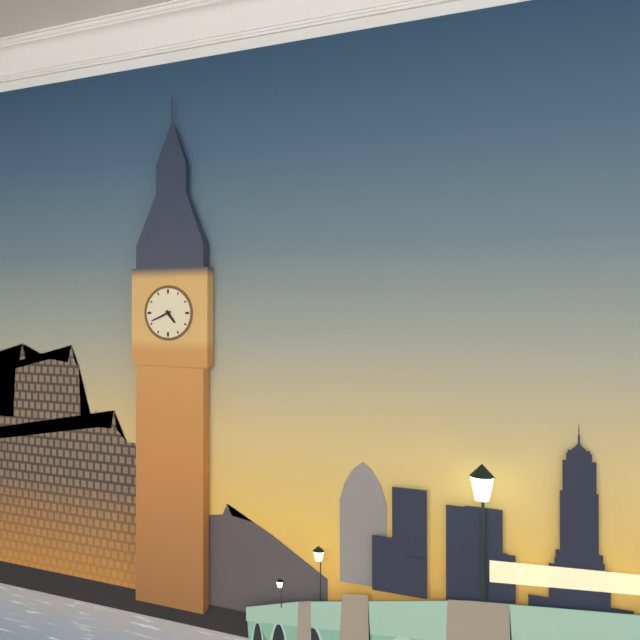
4:41
